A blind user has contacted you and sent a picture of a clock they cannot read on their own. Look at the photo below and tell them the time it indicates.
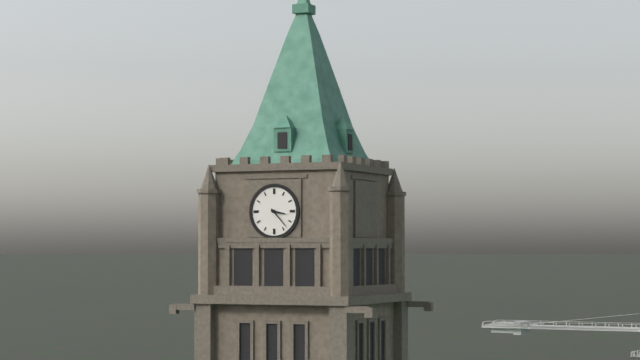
3:23
